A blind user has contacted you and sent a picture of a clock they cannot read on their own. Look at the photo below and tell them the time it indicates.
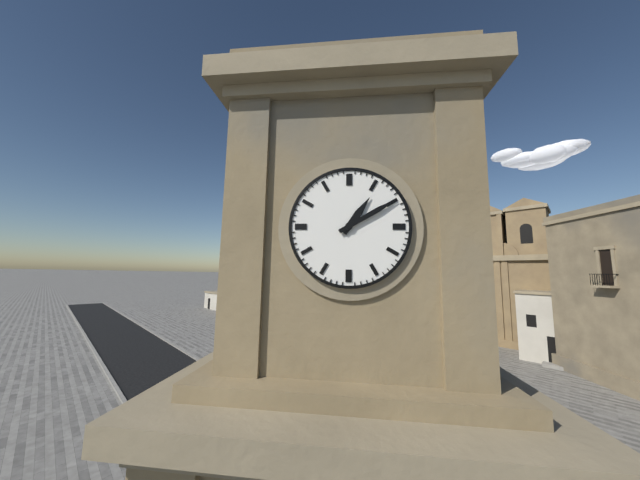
1:10
